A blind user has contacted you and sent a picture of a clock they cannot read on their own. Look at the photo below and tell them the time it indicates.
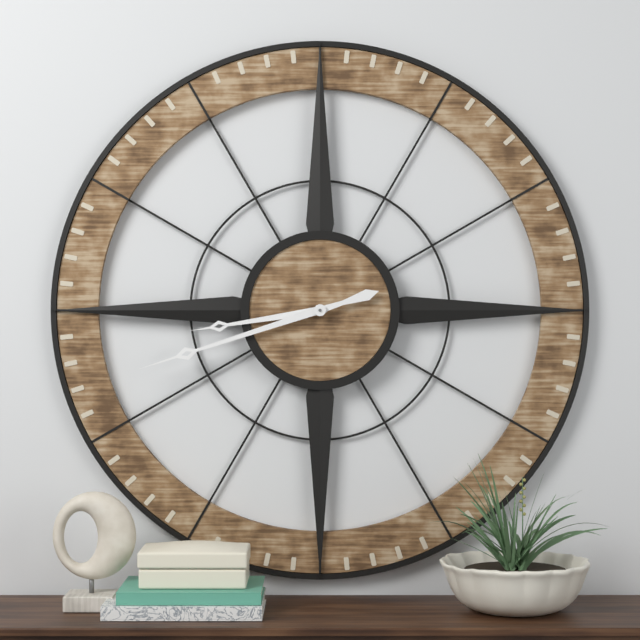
8:42
